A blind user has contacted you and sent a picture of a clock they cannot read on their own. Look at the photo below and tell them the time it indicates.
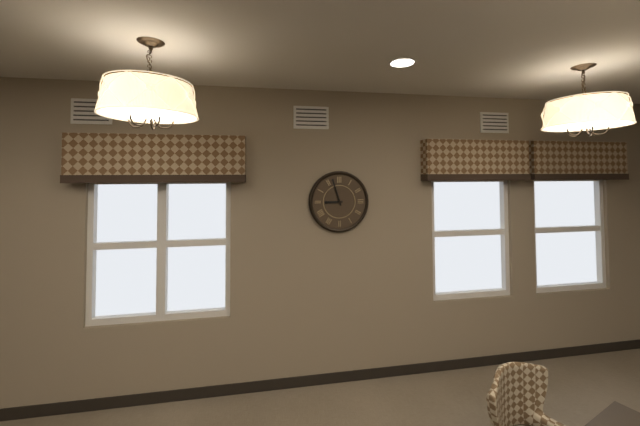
8:57
